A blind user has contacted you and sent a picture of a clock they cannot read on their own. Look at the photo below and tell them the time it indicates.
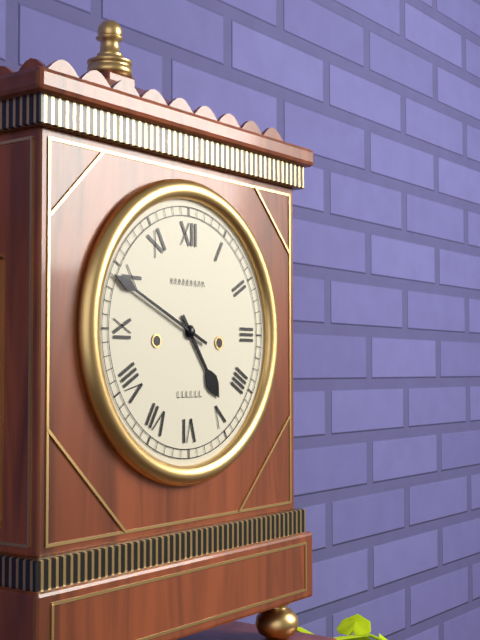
4:49
